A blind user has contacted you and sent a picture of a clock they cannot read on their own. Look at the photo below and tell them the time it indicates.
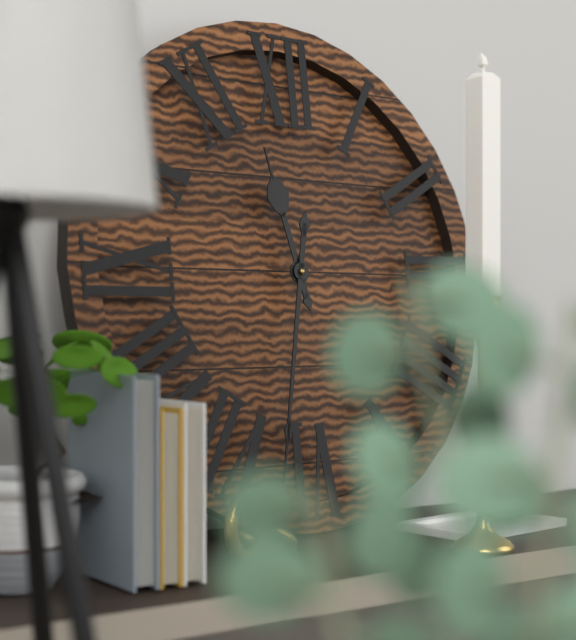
11:32
